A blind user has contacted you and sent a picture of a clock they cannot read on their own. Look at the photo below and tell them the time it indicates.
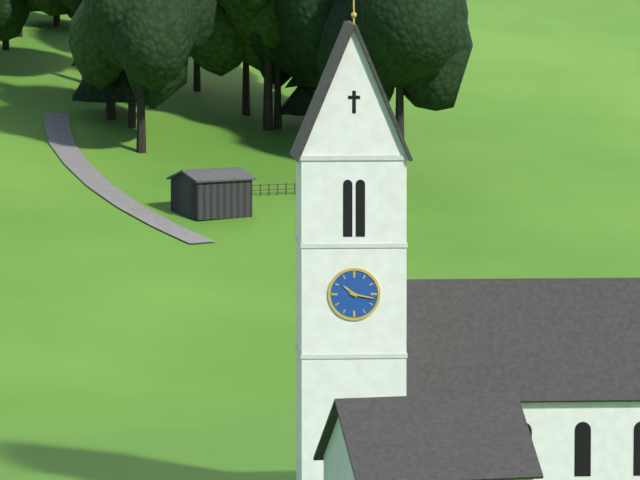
10:17
